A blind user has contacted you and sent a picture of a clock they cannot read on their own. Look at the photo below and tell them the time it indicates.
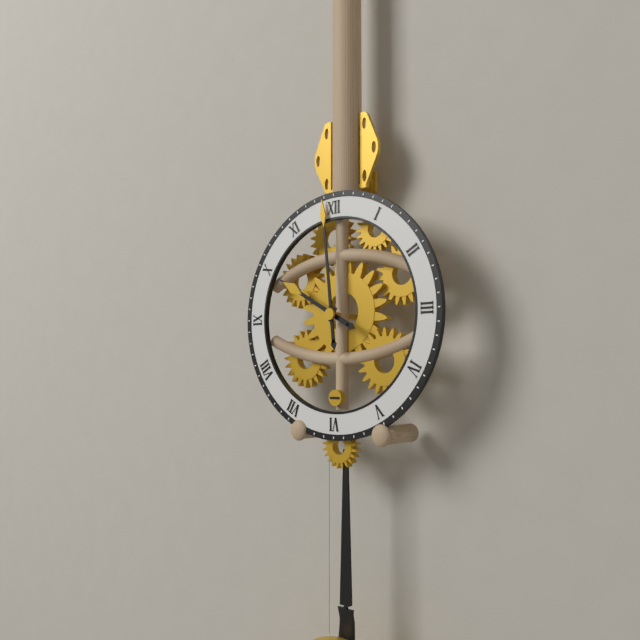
9:59
